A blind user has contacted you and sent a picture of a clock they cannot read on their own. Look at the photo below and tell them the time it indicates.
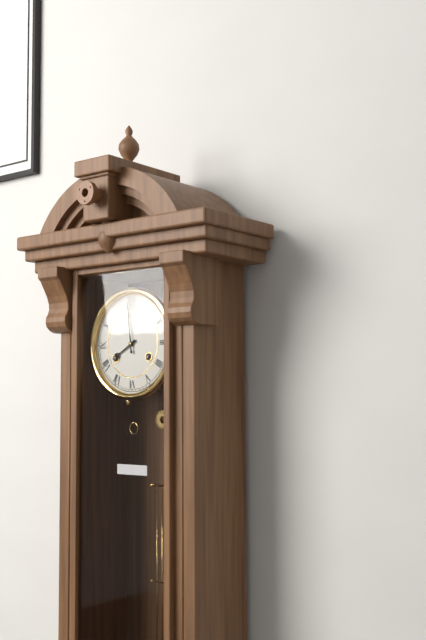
7:59
